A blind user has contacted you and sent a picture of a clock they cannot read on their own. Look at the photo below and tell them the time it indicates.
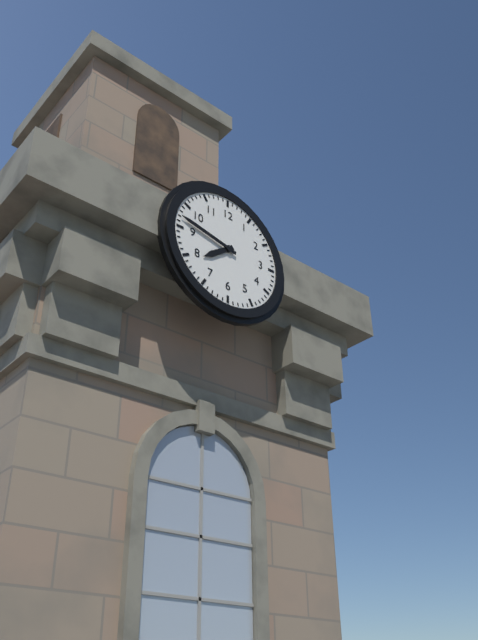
7:47
